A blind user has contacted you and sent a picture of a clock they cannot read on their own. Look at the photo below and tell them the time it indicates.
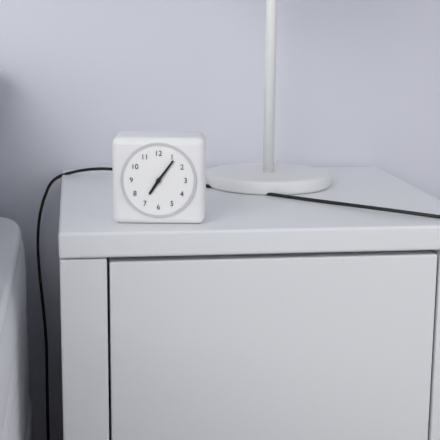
7:06
